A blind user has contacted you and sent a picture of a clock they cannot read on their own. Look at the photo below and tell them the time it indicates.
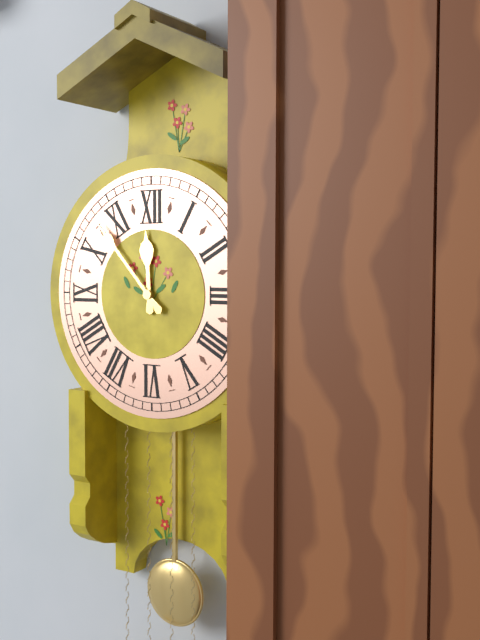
11:53
